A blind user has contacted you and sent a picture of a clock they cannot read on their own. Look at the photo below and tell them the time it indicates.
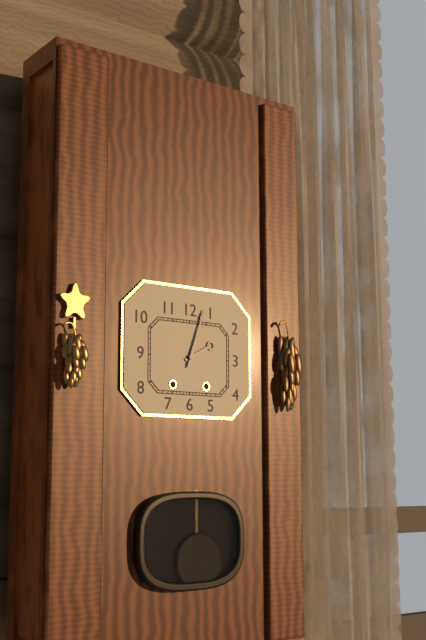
2:03
